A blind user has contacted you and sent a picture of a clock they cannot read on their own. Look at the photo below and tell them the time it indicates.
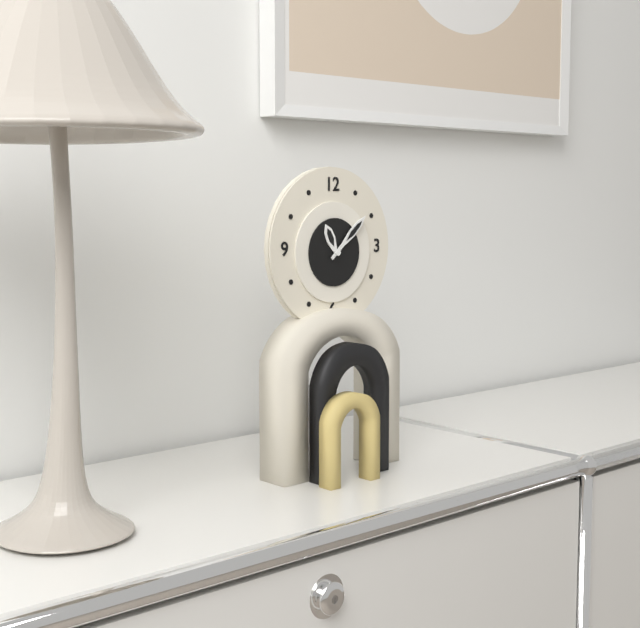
11:08
